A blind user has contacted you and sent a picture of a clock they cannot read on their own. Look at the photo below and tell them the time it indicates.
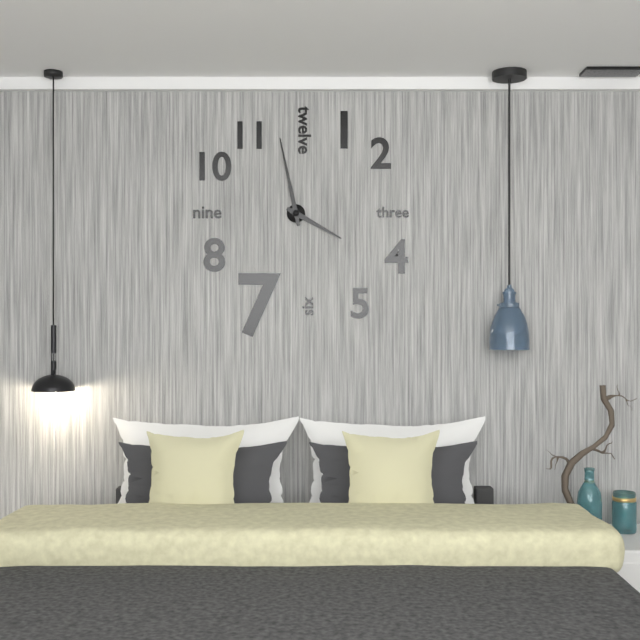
3:58
